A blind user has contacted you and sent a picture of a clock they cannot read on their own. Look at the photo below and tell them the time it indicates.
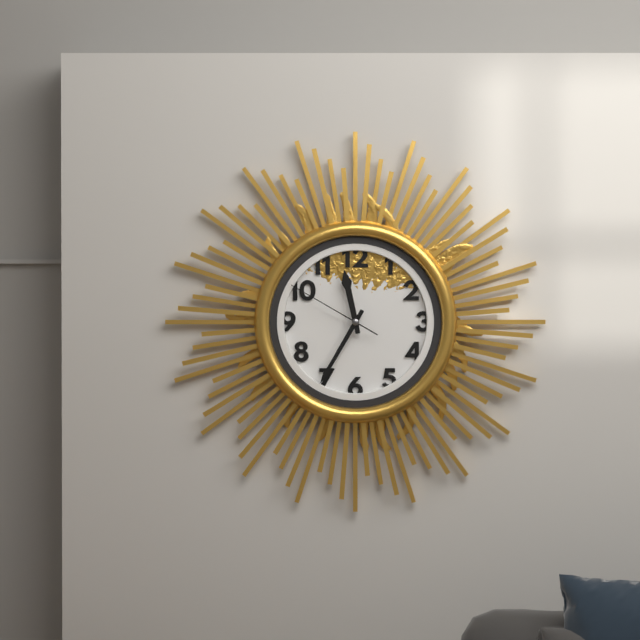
11:35:50
